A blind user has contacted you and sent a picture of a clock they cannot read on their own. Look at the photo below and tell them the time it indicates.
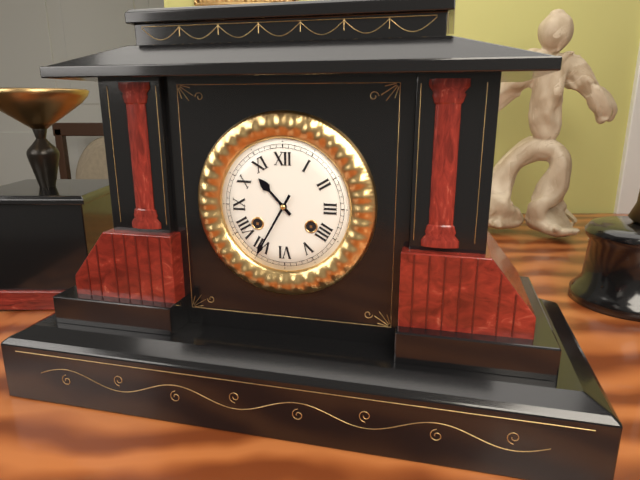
10:35
